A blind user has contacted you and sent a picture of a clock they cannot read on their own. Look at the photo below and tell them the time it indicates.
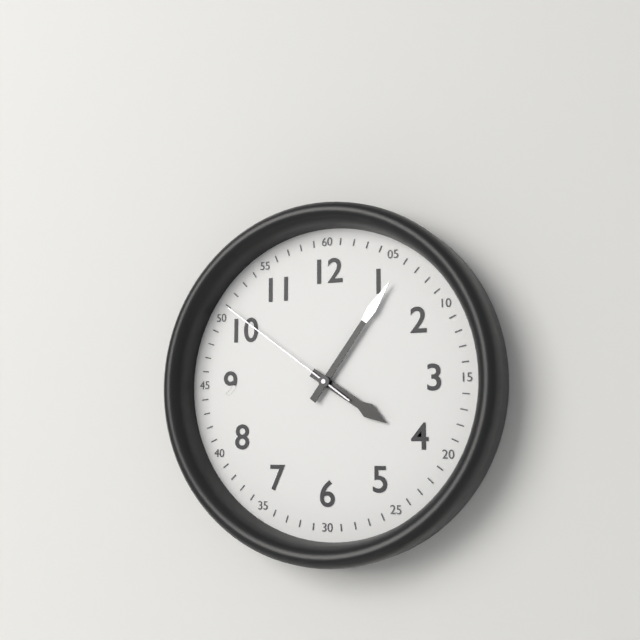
4:06:51
